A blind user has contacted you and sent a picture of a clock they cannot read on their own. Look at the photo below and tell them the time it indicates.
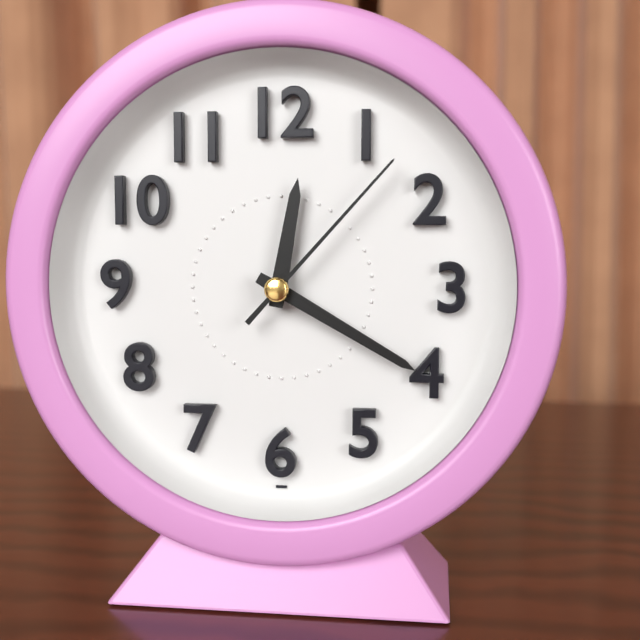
12:20:07
